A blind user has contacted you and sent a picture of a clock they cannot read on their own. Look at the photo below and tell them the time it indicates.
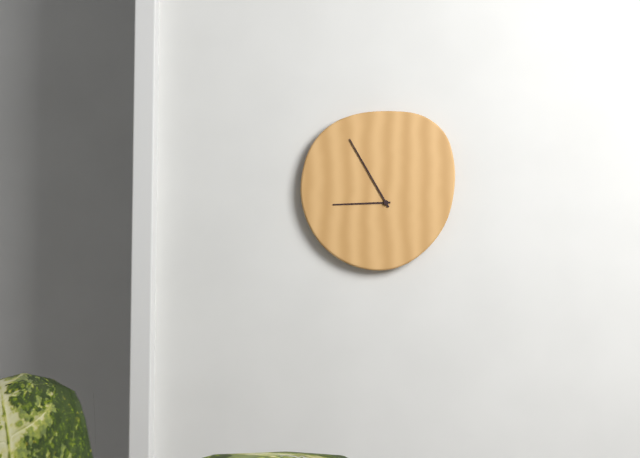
8:55
